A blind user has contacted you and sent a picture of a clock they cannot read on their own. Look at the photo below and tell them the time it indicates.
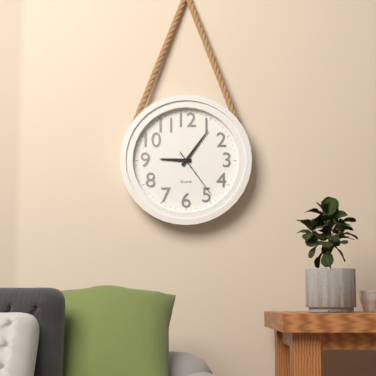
9:06:24
